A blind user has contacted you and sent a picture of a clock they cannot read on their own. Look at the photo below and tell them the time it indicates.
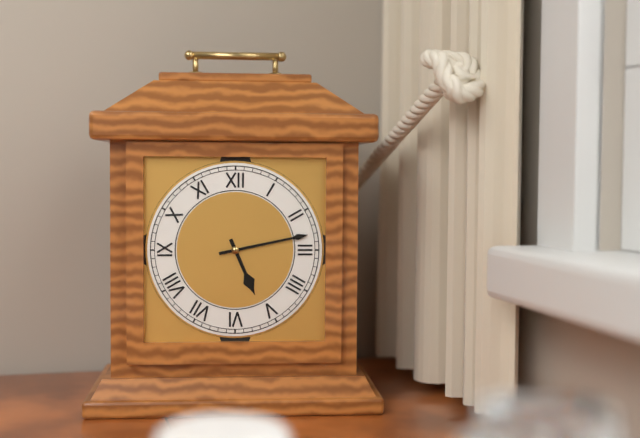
5:13
